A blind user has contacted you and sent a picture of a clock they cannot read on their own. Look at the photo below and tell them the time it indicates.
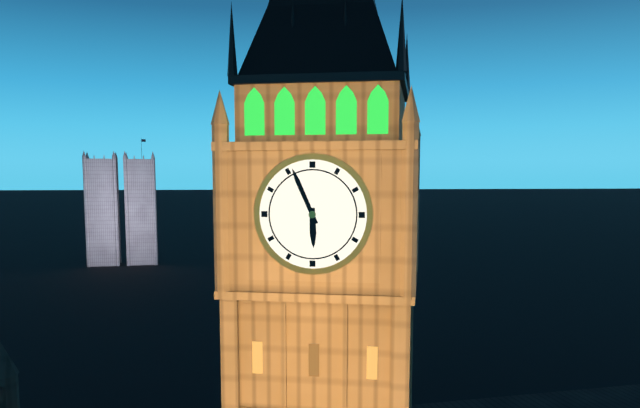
5:56
